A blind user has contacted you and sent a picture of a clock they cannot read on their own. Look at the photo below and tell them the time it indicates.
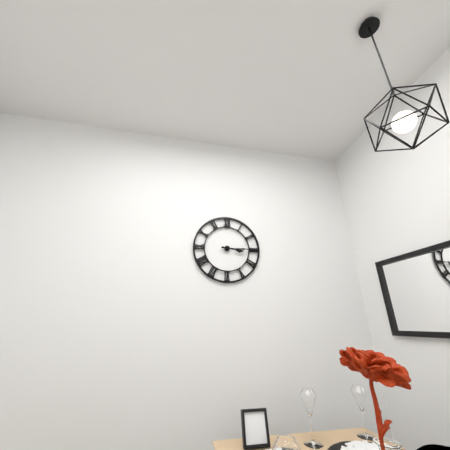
3:15
